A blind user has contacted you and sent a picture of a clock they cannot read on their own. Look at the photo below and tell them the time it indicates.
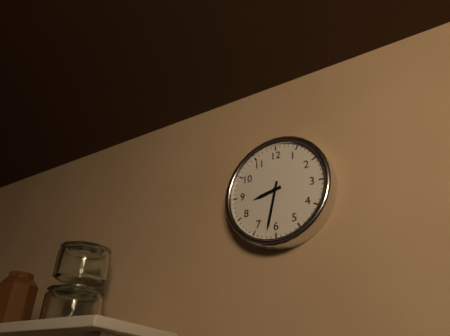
8:32
